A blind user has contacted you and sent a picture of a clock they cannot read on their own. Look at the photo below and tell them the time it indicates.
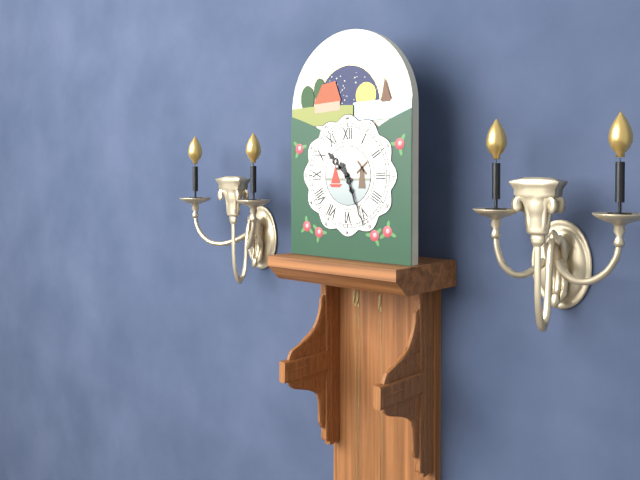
10:26
